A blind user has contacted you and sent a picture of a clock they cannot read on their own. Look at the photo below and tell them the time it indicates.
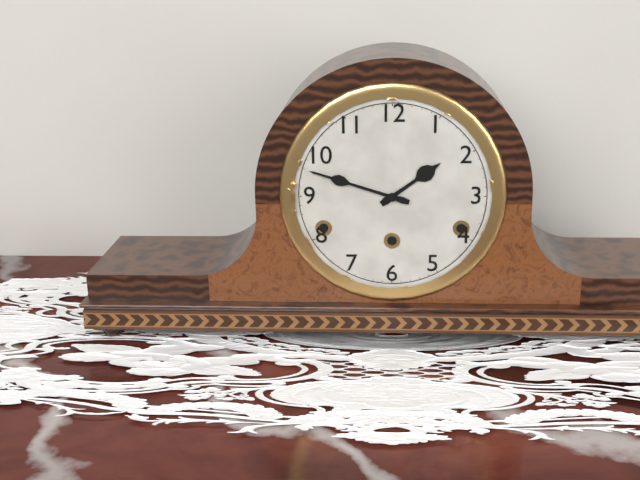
1:48
